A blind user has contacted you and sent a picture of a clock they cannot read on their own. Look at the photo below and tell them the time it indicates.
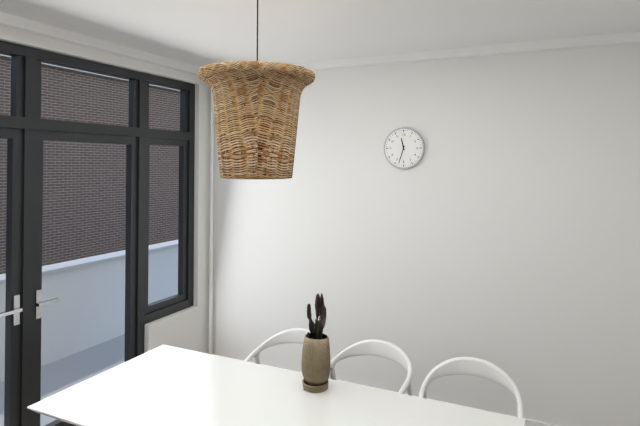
11:33
